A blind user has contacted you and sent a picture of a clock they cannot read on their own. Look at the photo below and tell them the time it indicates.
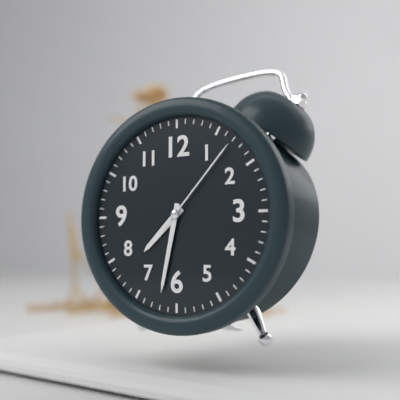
7:32:07
